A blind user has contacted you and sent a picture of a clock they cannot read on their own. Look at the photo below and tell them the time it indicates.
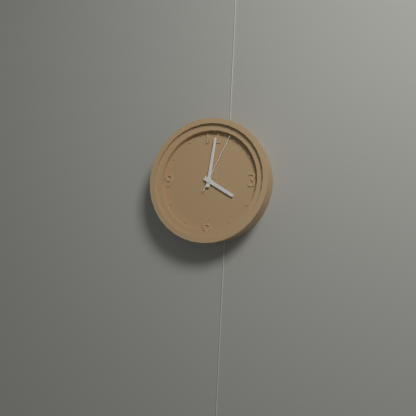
4:01:04
